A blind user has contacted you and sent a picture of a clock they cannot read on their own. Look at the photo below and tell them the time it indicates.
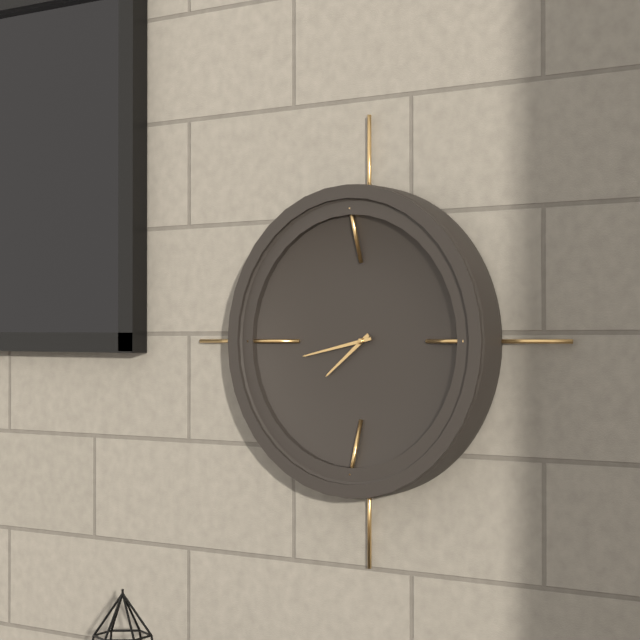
7:43
